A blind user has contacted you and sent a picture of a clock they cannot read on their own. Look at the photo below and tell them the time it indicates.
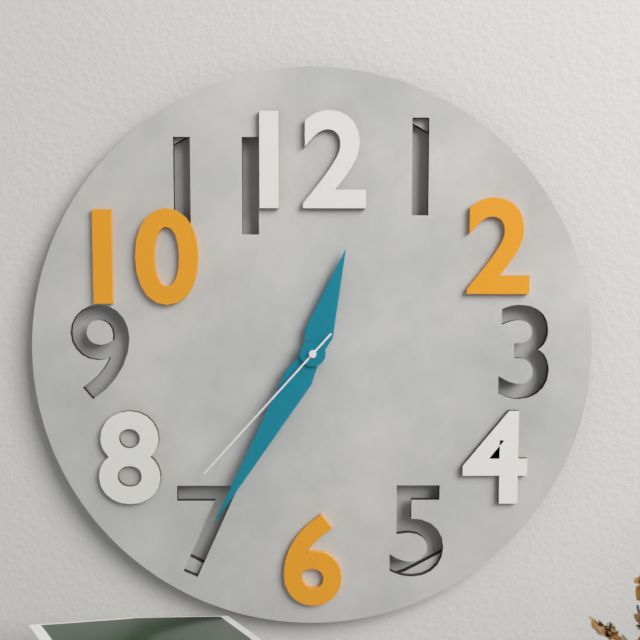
12:35:37
